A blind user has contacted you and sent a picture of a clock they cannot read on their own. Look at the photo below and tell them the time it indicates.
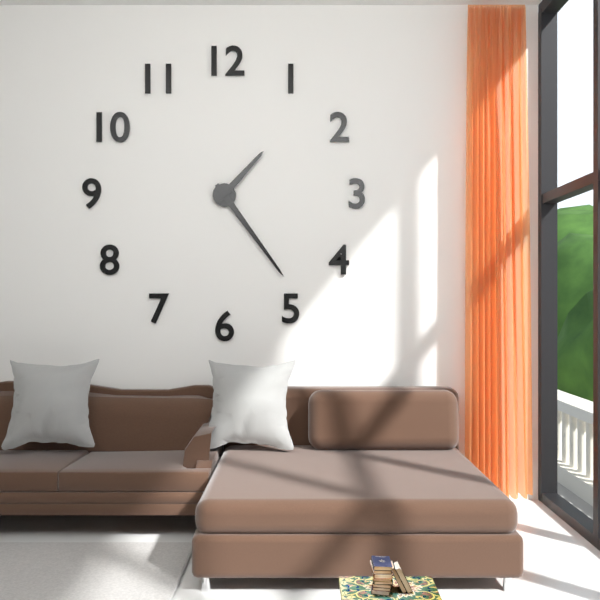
1:24
